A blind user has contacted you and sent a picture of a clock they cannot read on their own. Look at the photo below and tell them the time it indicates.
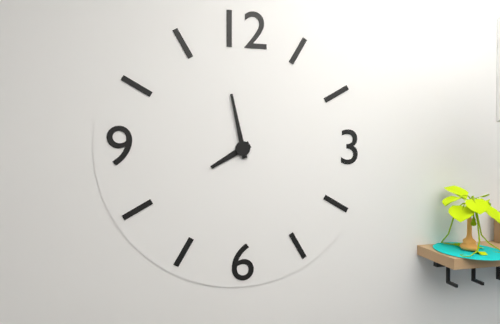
7:58
